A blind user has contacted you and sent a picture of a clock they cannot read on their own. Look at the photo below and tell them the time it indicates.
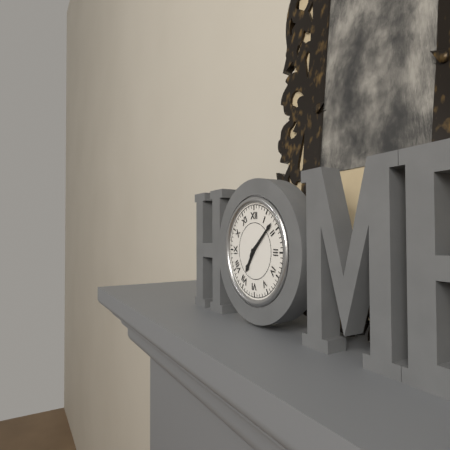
7:08
